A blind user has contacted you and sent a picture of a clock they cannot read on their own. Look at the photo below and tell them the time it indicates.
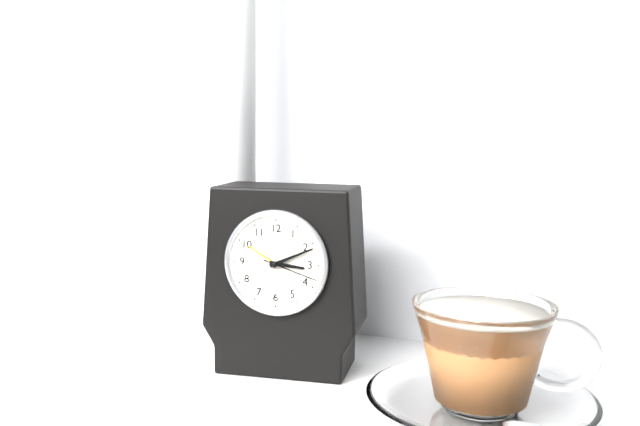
3:11:18
